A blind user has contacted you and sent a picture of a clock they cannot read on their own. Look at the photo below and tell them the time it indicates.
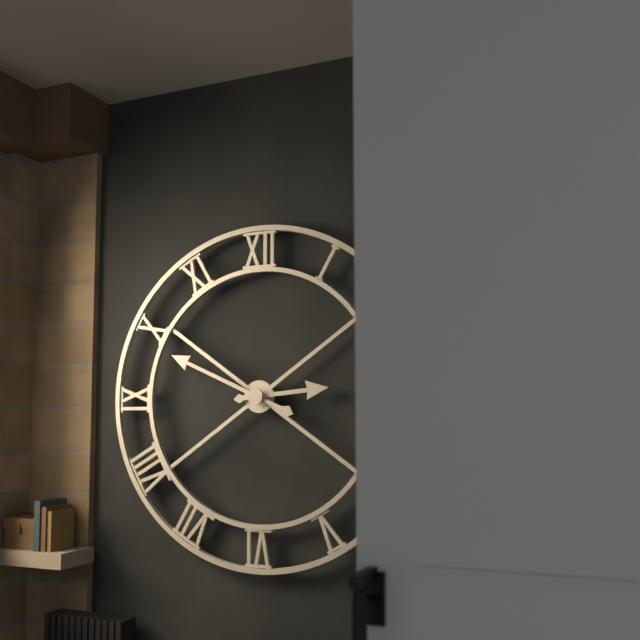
2:49
